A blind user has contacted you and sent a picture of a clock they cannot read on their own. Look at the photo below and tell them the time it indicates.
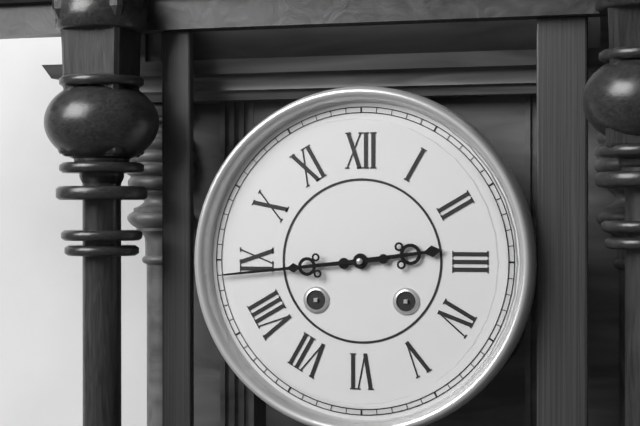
2:44
